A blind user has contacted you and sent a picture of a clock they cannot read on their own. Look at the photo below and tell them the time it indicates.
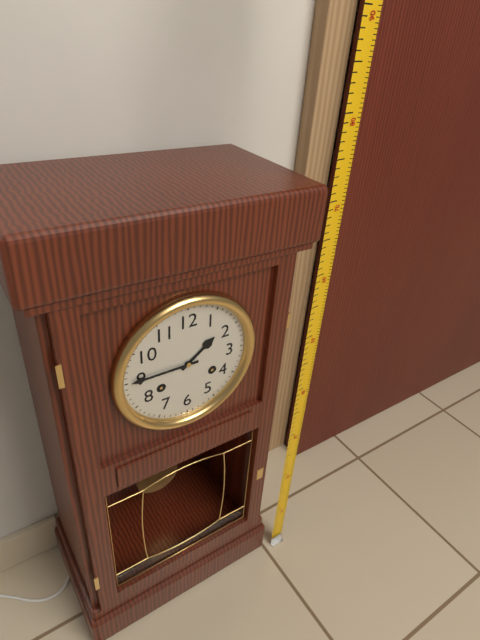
1:45
